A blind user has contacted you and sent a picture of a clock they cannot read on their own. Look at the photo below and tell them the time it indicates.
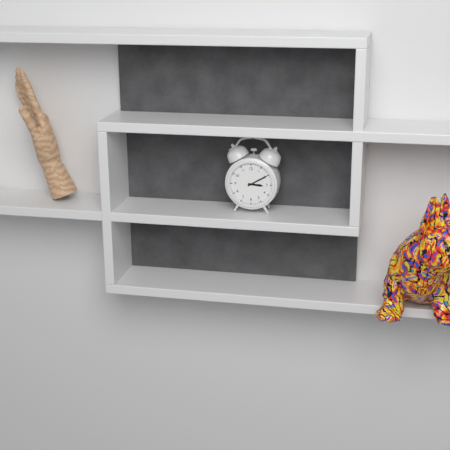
3:10
